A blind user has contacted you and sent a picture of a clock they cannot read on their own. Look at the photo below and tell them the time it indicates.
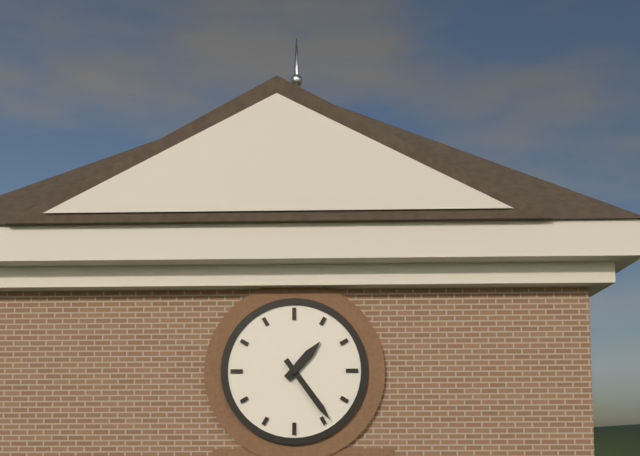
1:24
